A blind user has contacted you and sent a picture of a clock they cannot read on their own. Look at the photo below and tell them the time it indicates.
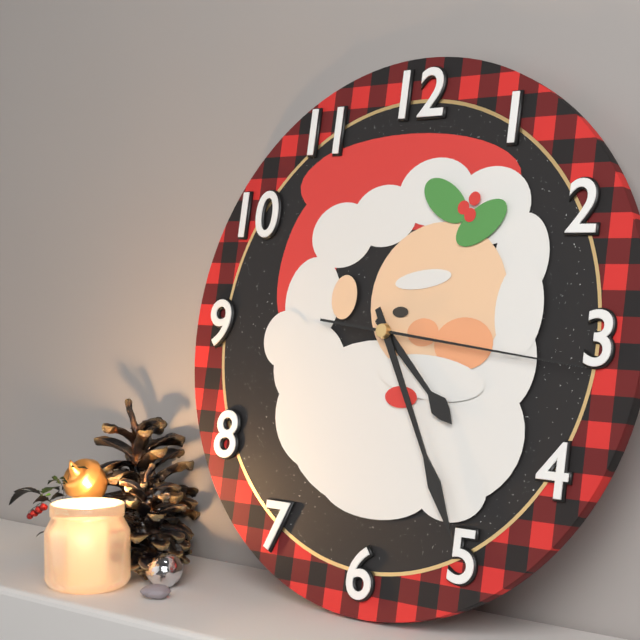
4:25:16
